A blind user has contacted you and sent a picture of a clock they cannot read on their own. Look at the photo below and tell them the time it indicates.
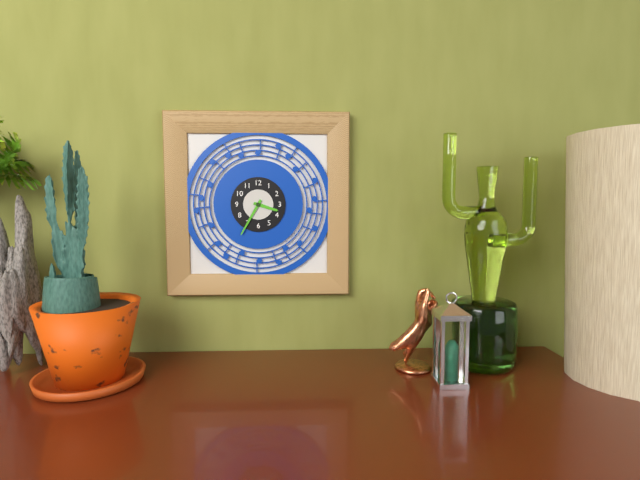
3:35
